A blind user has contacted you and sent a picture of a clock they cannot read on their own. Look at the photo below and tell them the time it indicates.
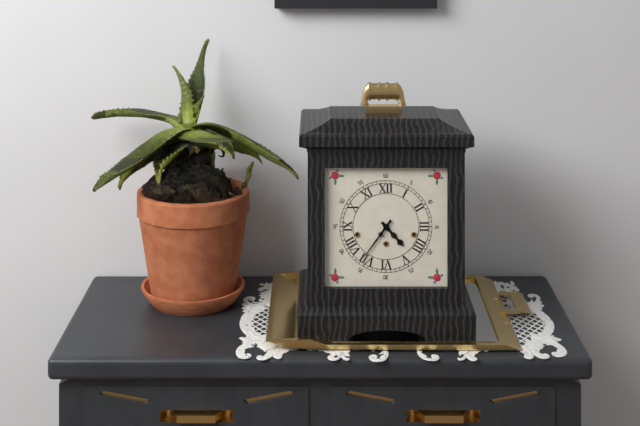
4:36
